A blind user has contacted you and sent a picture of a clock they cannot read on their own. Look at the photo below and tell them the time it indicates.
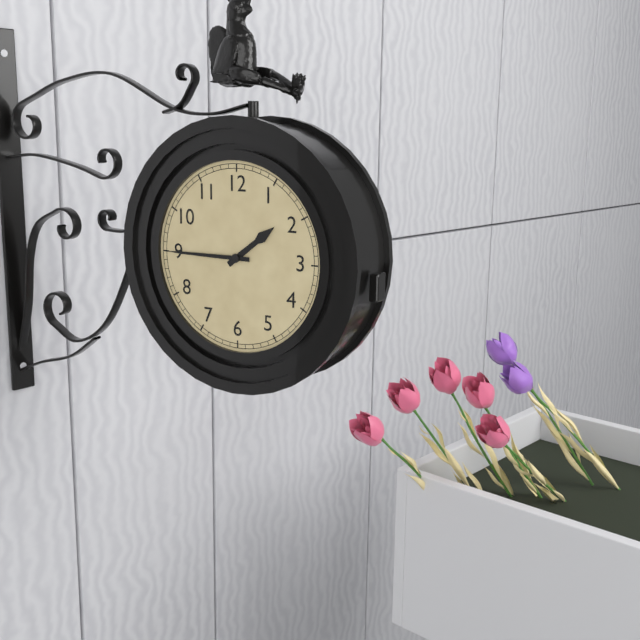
1:45
